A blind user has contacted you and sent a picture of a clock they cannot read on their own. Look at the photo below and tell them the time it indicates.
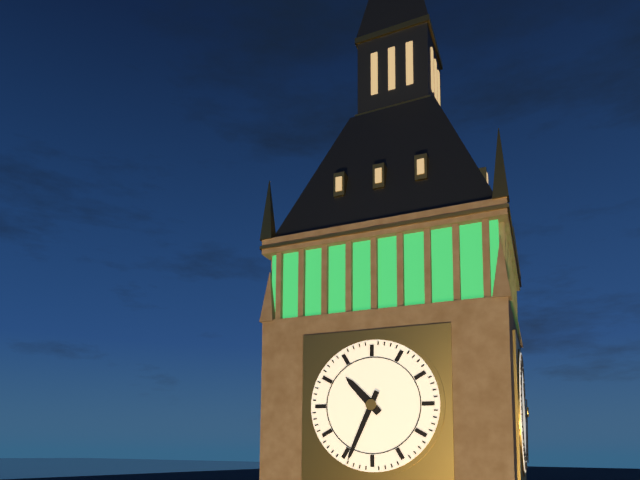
10:34
